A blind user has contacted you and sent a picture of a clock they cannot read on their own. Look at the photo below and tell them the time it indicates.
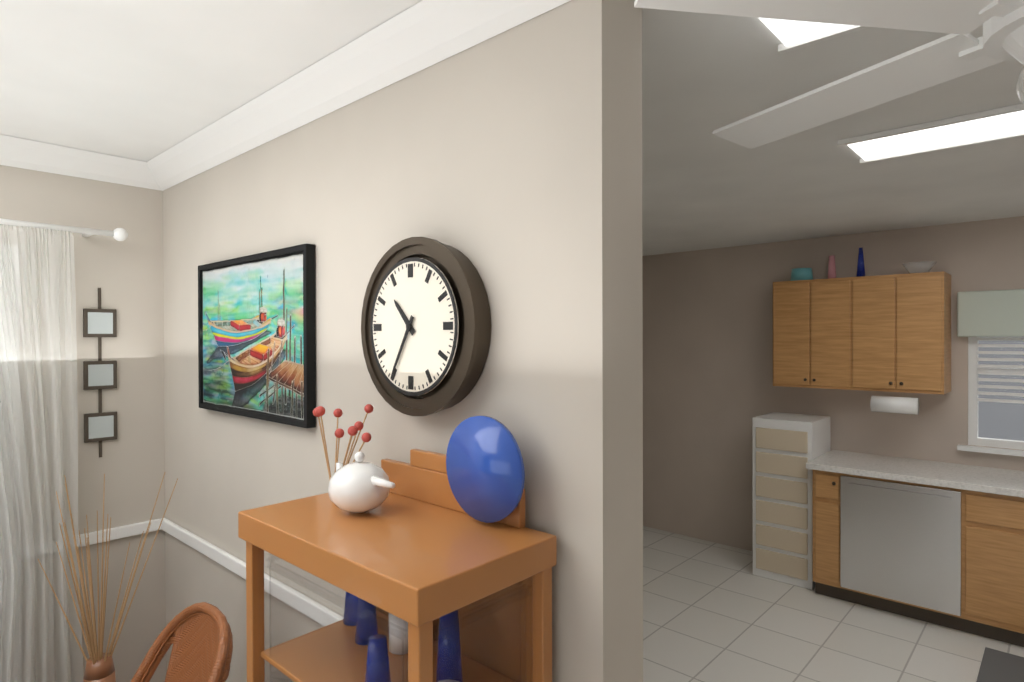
10:35
